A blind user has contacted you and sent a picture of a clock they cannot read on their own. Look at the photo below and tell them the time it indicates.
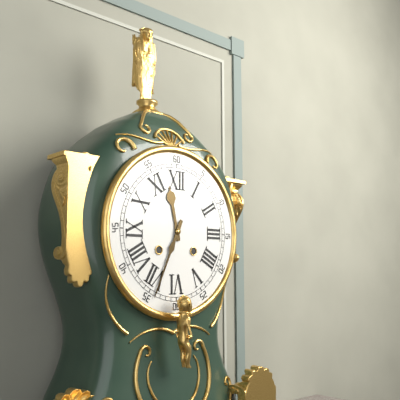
11:34
